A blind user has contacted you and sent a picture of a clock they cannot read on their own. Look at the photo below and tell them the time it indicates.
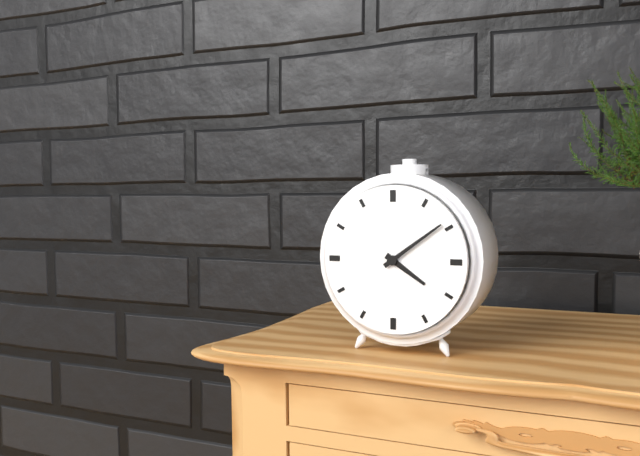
4:09
